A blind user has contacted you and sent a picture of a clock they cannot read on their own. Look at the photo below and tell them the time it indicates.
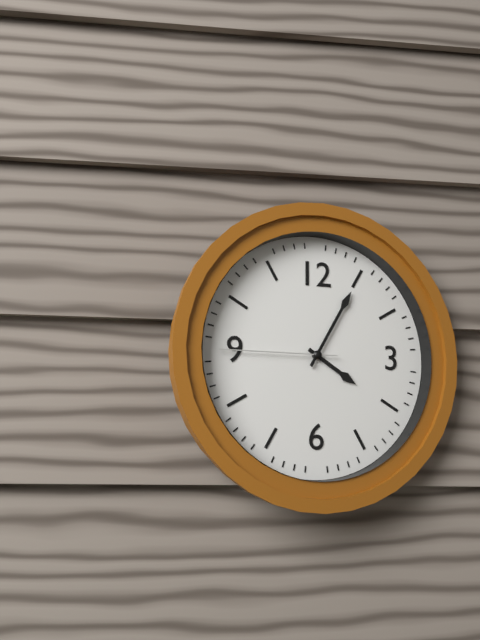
4:05:45
